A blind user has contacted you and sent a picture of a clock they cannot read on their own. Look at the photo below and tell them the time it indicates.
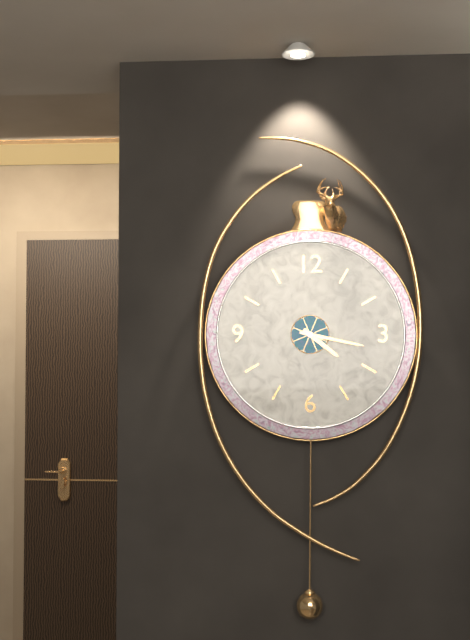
4:17
